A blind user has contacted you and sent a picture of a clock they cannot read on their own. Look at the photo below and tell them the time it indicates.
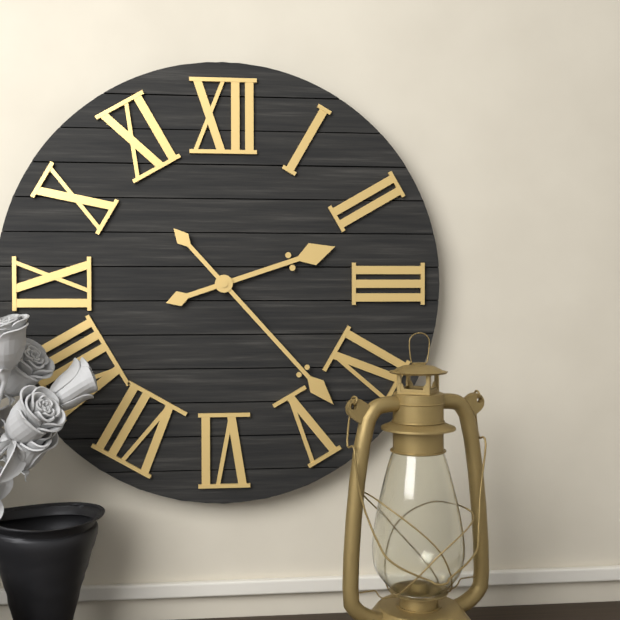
2:23
